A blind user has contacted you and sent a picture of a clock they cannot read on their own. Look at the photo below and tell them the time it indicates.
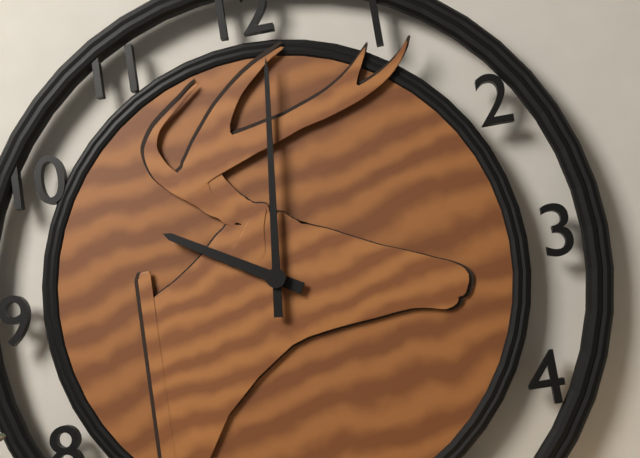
10:01
